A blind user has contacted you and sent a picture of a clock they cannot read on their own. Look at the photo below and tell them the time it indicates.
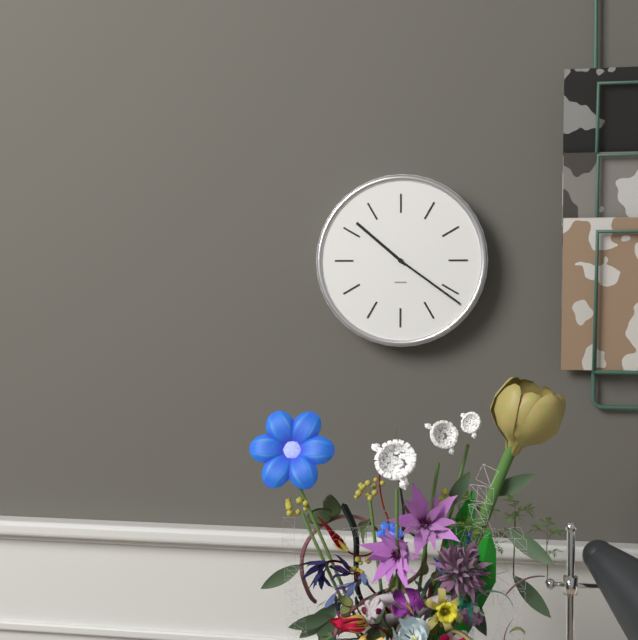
10:21
